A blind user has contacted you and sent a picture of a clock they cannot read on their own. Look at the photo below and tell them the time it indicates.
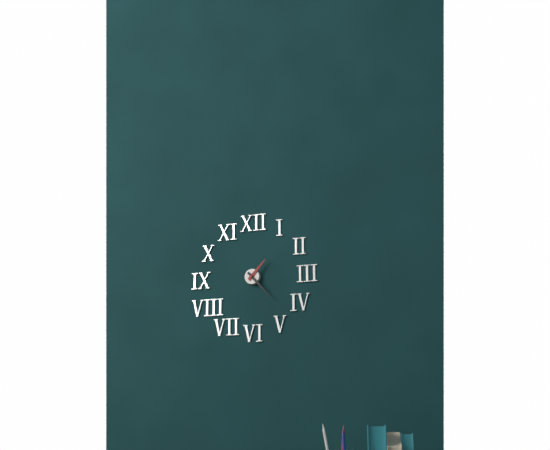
1:23
